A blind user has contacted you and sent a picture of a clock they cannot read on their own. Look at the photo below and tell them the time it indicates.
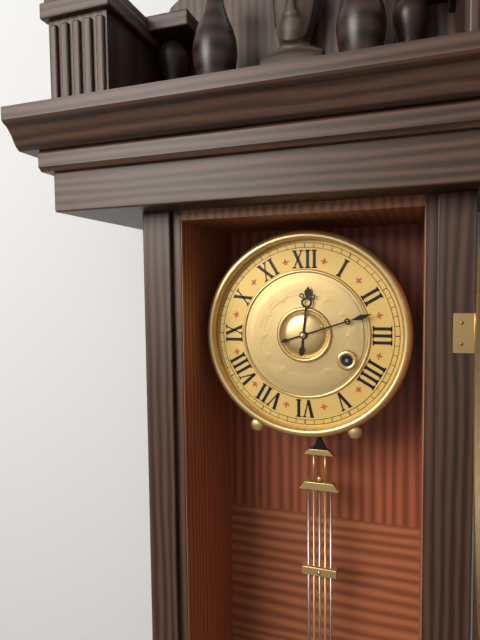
12:12
